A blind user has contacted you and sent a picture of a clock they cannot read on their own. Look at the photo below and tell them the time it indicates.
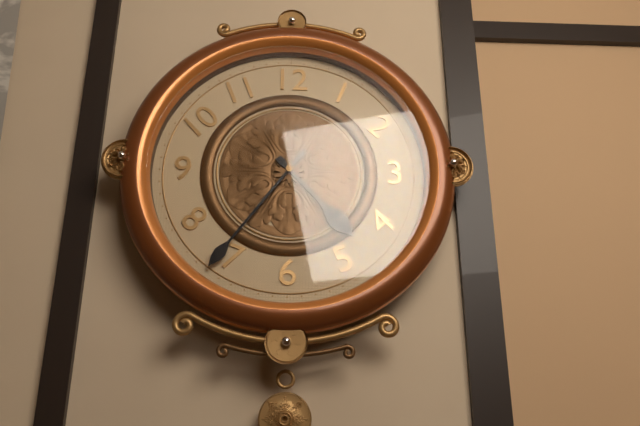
4:36
